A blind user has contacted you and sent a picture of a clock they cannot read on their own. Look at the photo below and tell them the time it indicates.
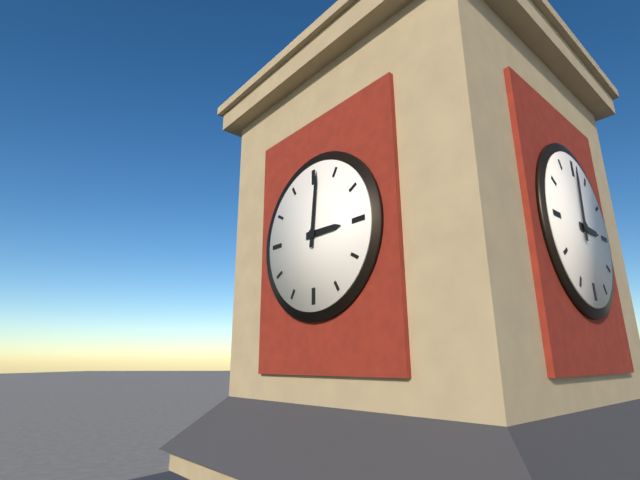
3:01
